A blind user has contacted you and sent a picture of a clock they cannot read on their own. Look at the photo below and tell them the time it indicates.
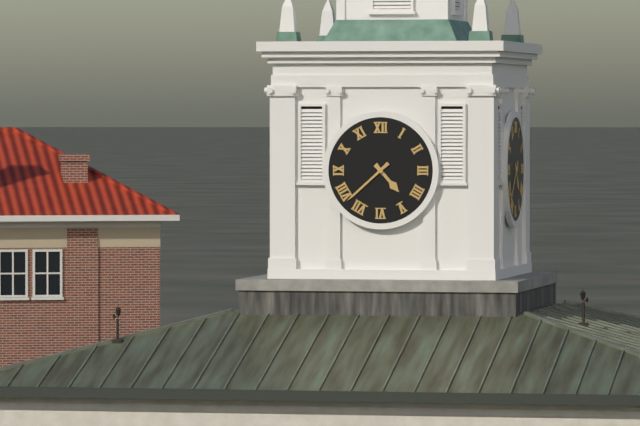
4:38
